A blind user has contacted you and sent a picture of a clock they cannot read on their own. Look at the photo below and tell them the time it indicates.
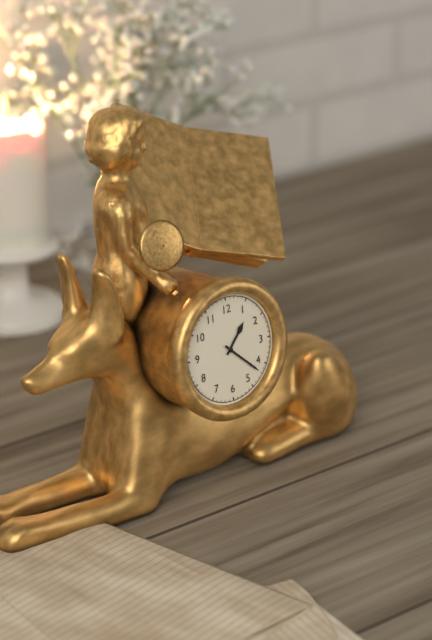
1:22
